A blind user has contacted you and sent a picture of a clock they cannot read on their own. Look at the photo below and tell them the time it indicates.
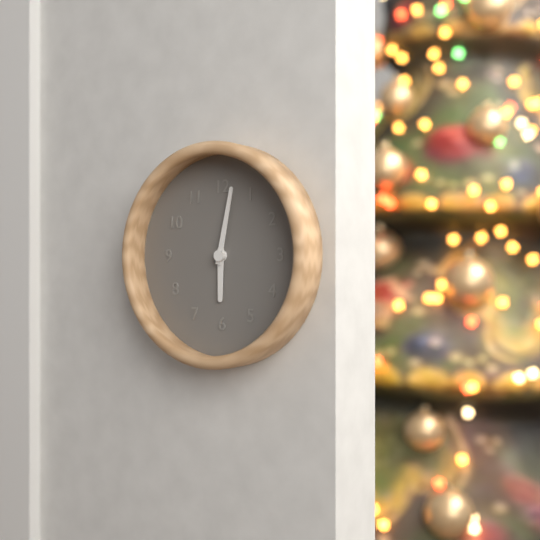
6:02
